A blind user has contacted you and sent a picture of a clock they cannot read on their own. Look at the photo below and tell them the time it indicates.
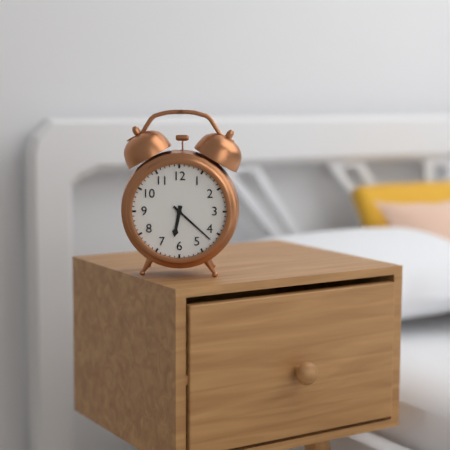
6:22
